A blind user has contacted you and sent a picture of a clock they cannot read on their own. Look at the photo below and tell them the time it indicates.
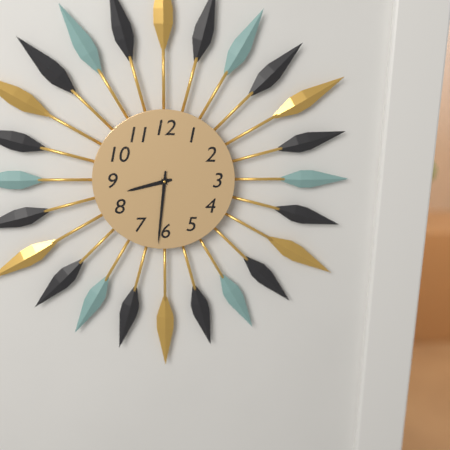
8:31
